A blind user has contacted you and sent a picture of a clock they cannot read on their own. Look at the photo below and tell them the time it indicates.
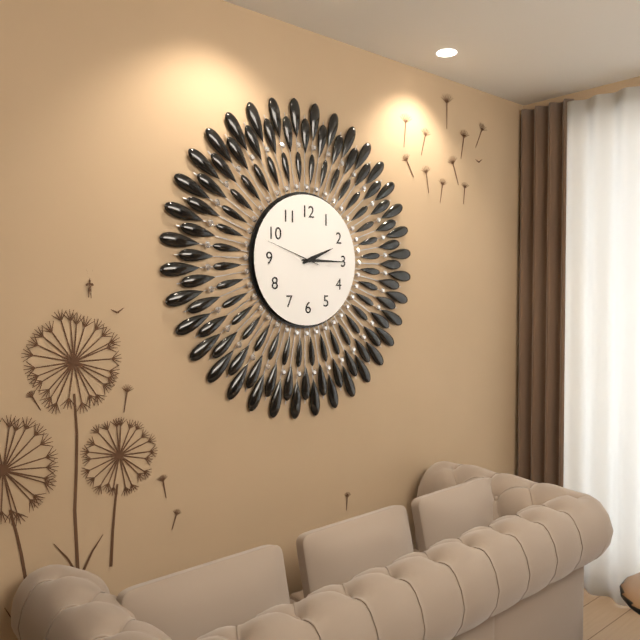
2:15:48
